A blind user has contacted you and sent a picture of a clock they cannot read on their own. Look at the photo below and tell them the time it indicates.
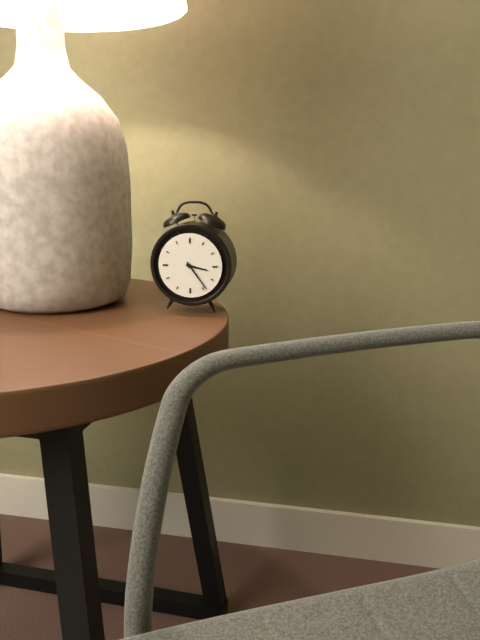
3:24
